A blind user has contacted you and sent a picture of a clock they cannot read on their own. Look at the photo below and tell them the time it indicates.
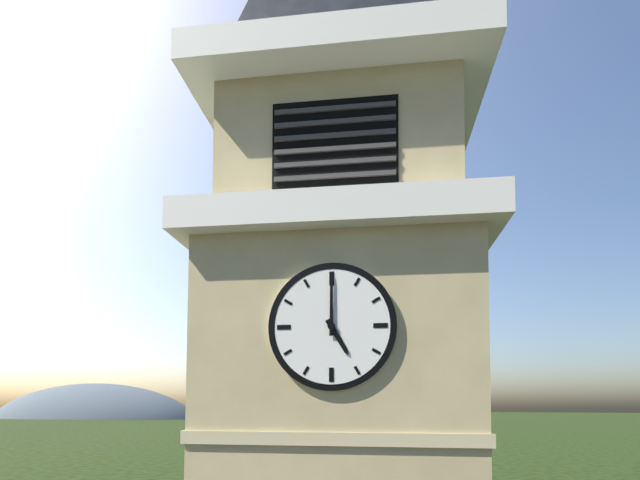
5:00
